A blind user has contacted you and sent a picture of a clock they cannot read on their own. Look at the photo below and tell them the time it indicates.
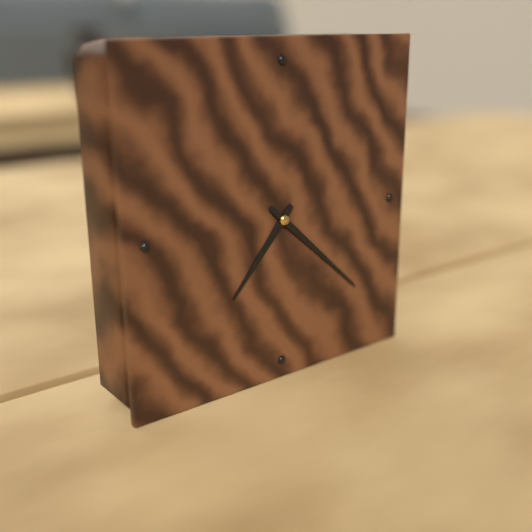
7:22
